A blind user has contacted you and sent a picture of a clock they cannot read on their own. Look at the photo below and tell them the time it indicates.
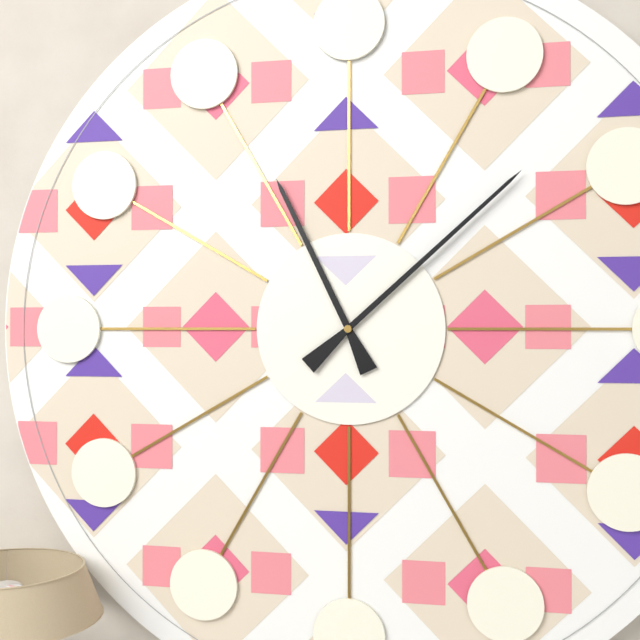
11:08
